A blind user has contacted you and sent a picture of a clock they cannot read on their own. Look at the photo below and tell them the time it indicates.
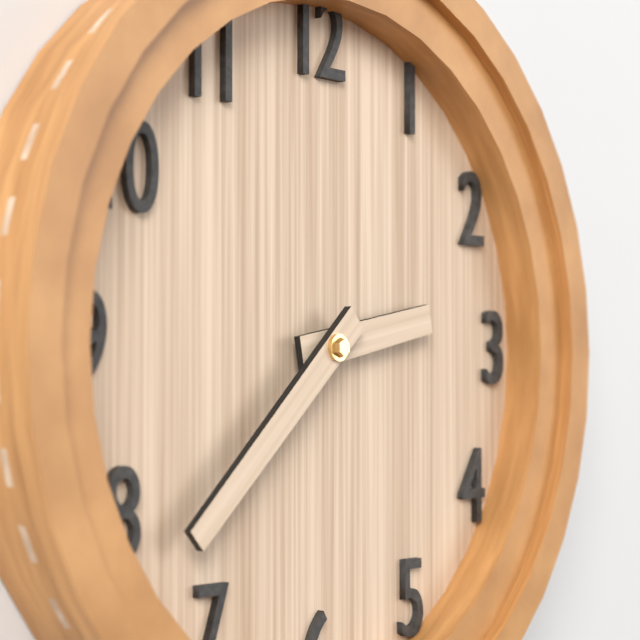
2:38
